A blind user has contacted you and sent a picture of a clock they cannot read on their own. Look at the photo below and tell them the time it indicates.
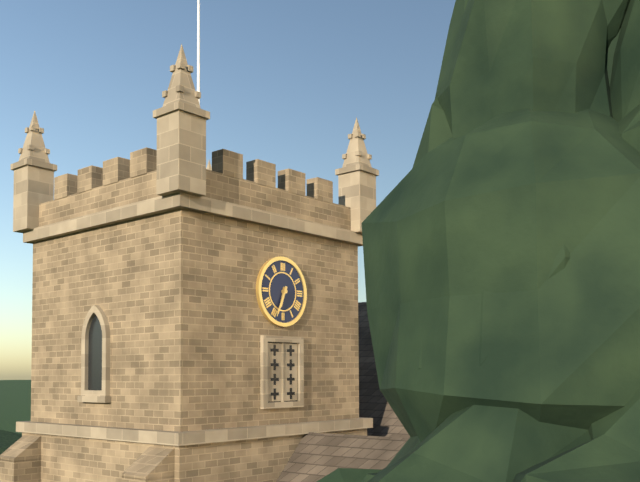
6:34
